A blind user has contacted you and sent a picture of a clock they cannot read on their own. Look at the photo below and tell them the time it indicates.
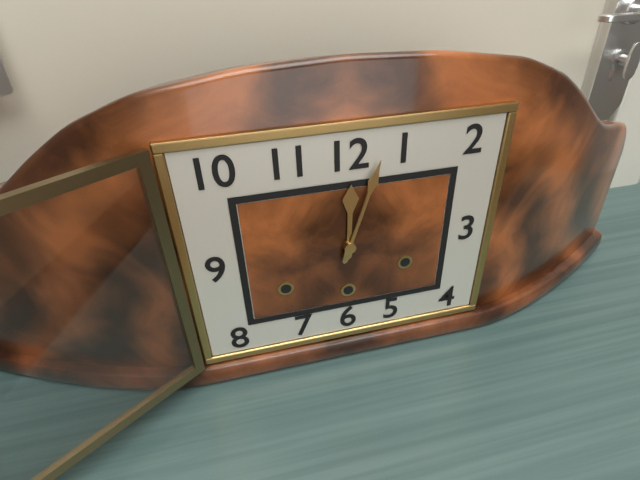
12:03
